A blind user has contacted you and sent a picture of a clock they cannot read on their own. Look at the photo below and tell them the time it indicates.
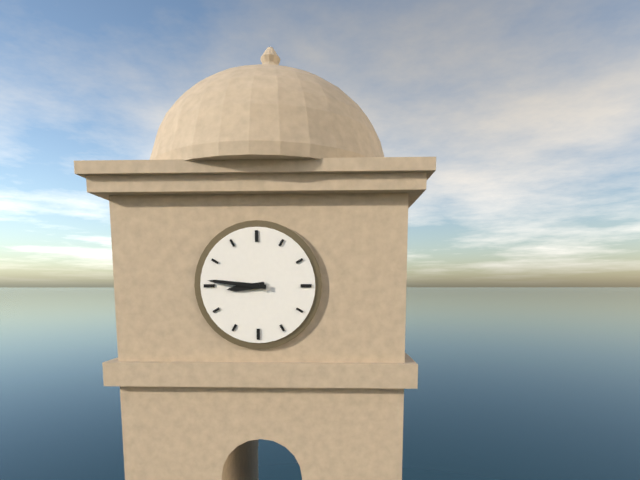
8:46
